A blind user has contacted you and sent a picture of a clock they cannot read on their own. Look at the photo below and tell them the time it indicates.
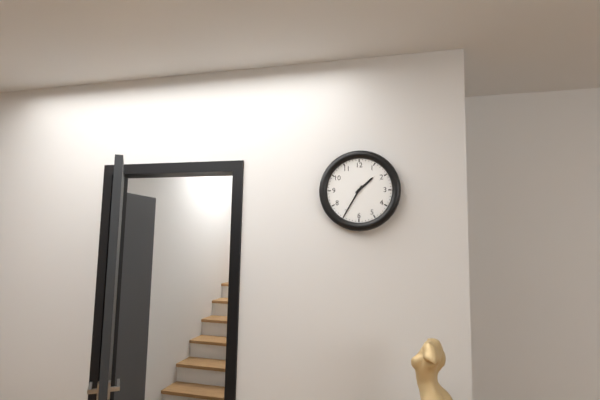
1:35
